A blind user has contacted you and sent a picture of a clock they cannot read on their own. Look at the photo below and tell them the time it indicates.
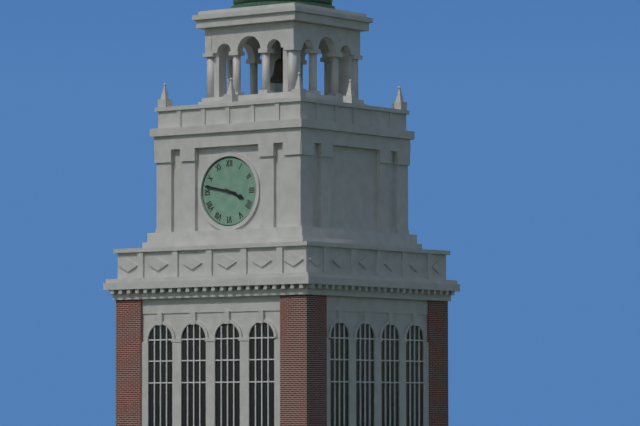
3:47
